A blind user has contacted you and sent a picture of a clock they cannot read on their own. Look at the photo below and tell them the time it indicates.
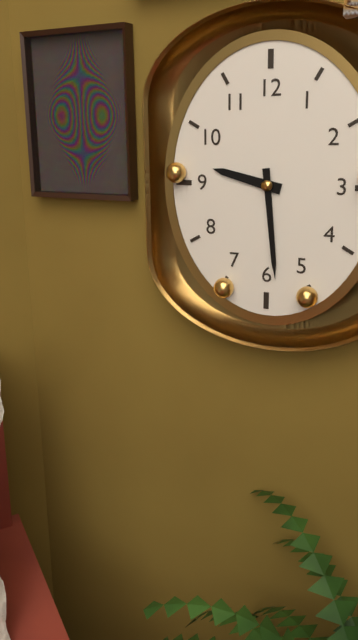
9:29
